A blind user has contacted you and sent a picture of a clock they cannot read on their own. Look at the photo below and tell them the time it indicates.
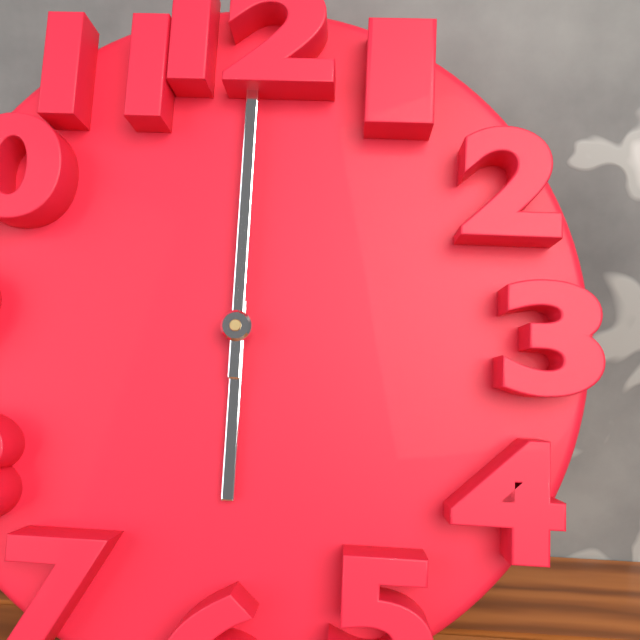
6:00
